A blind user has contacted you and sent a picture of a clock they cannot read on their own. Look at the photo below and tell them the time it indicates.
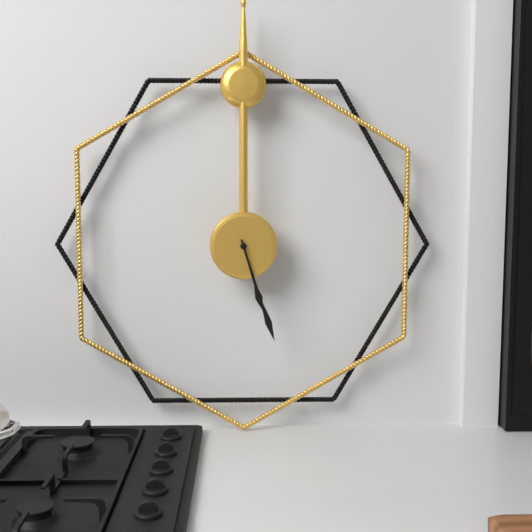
5:27
